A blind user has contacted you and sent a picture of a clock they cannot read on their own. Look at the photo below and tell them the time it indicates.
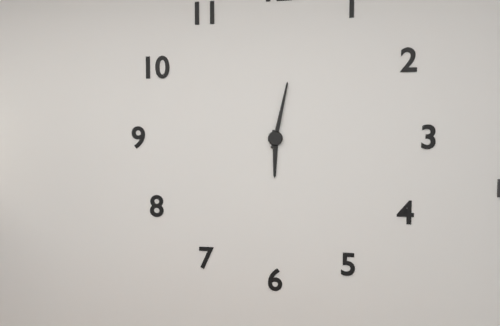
6:02
